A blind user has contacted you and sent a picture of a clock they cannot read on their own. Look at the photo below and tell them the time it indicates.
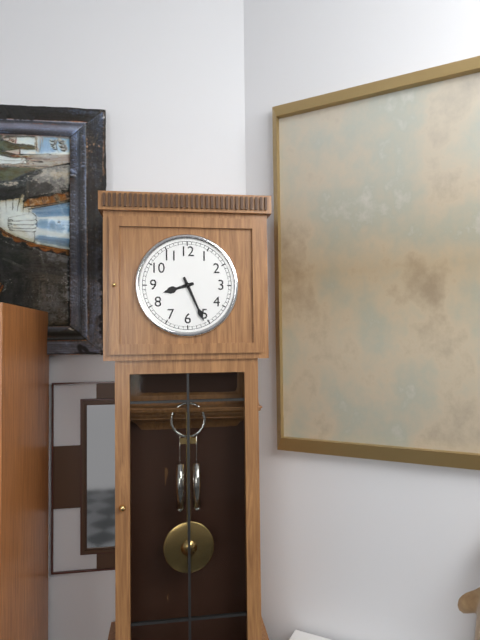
8:26
